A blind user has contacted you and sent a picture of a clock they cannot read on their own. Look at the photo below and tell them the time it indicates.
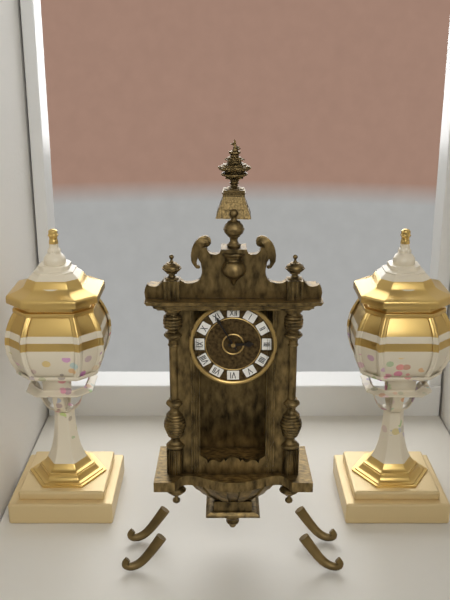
2:55
